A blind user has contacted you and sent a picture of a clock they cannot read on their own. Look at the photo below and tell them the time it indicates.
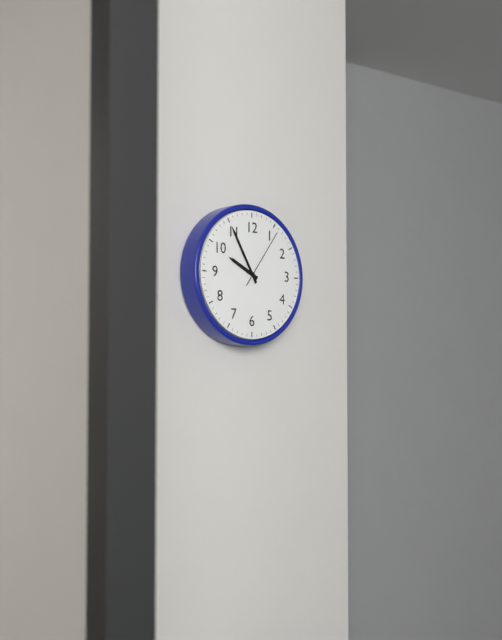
9:55:06
